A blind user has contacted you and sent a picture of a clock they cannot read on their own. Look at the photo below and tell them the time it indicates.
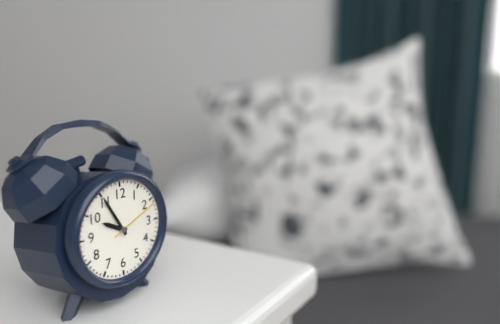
9:55:11
